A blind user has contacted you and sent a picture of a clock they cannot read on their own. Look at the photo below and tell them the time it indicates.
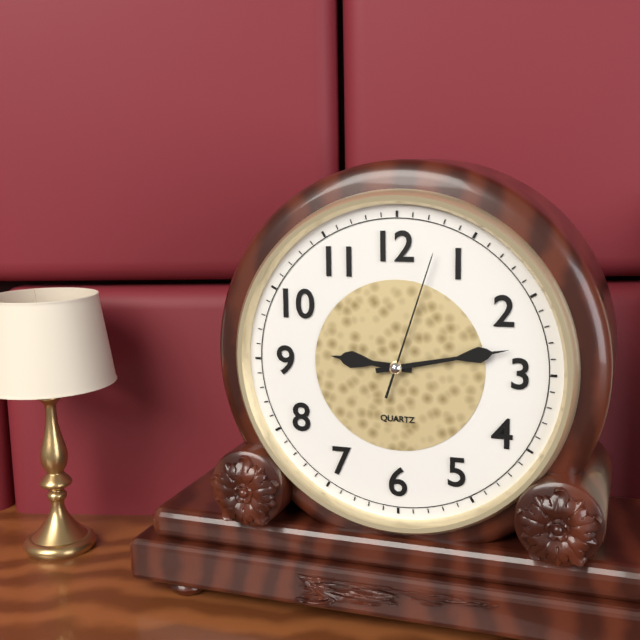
9:13:03
